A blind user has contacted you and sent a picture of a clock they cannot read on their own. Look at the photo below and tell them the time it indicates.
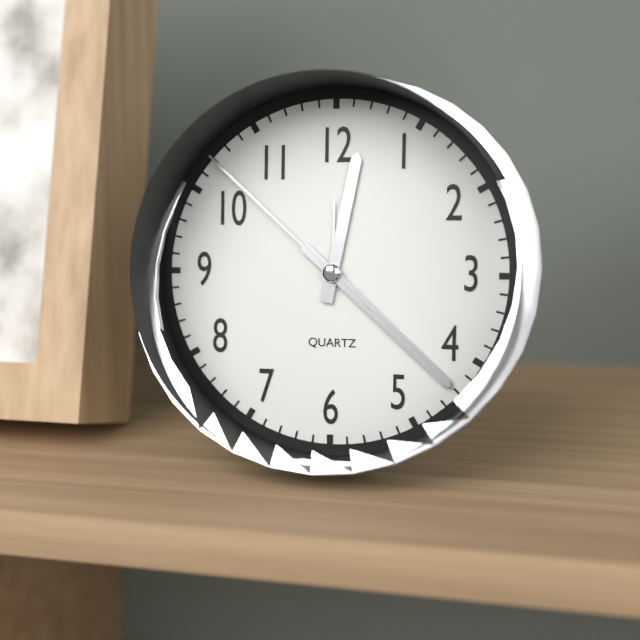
12:22:52
